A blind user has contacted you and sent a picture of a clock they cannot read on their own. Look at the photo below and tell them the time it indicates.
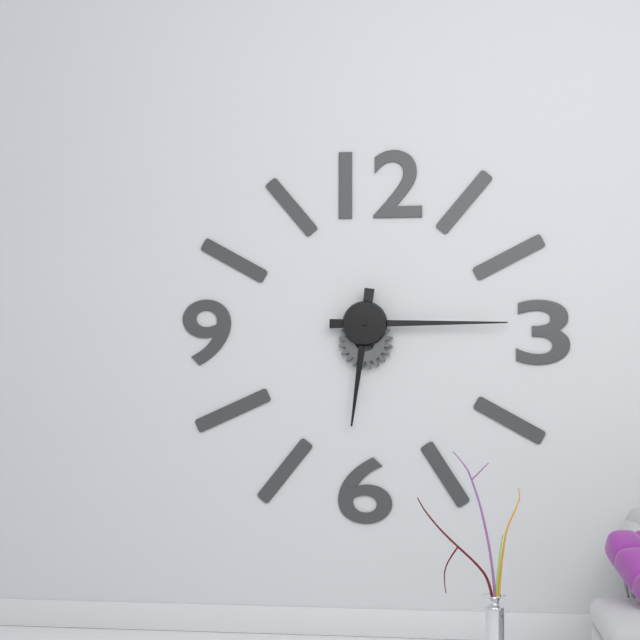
6:15
